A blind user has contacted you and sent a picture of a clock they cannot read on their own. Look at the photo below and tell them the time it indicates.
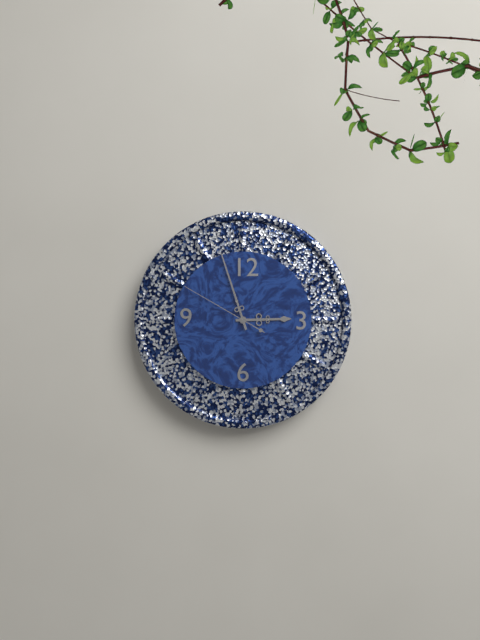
2:57:50
